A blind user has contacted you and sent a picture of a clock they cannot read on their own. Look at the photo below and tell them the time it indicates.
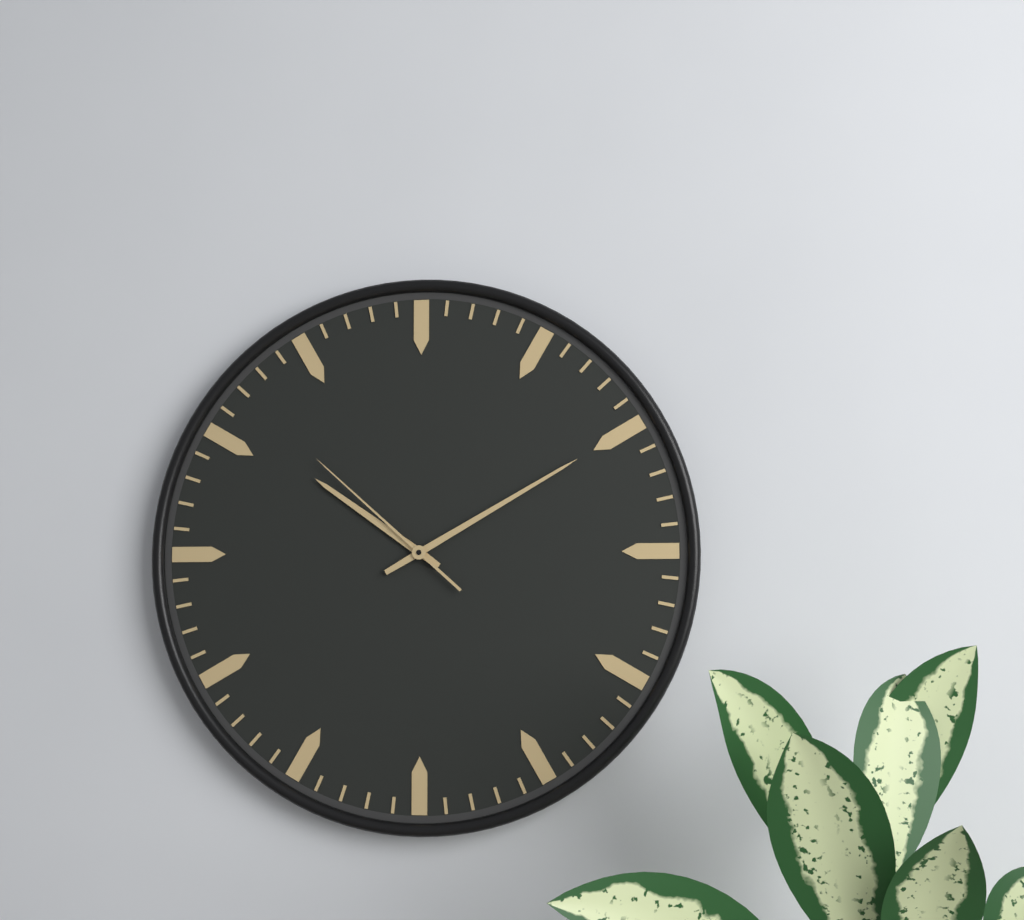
10:10:52
